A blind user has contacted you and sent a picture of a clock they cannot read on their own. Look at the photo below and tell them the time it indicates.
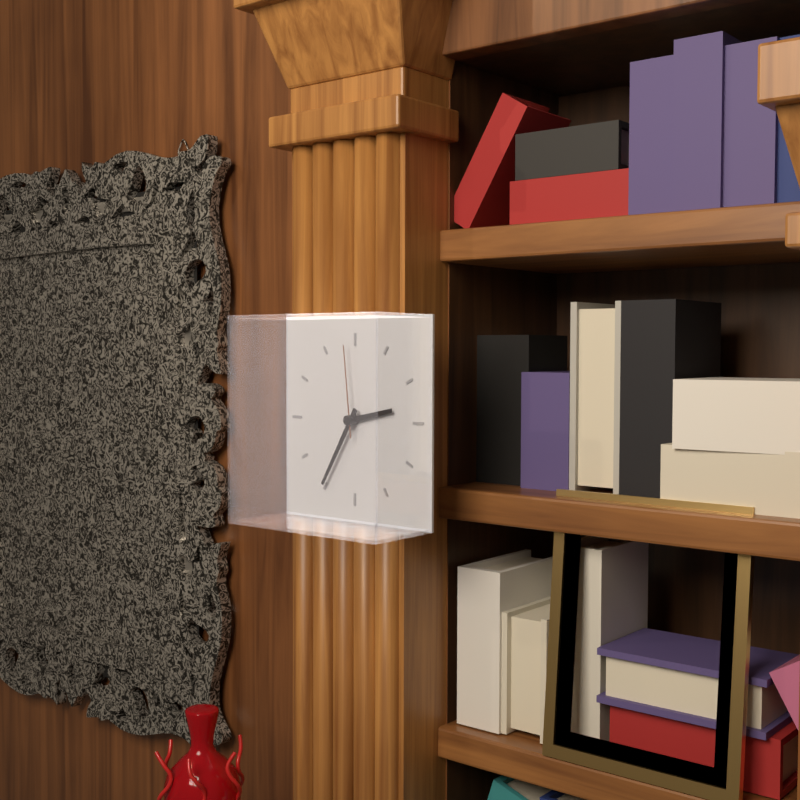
2:35:59
